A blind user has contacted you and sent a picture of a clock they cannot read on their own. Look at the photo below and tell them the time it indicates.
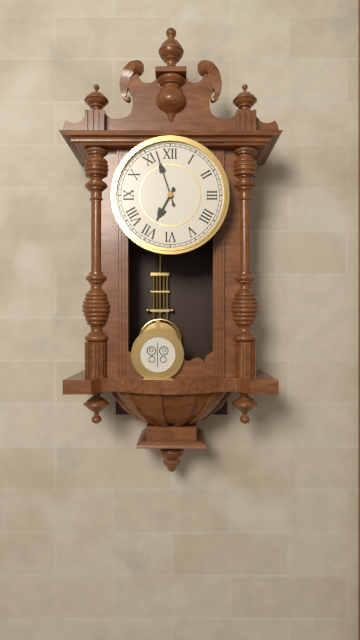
6:57
